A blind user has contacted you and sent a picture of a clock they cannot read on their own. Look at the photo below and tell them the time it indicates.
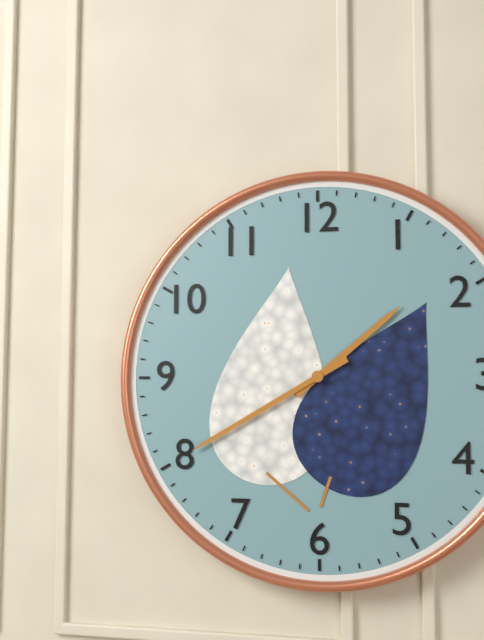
1:40
